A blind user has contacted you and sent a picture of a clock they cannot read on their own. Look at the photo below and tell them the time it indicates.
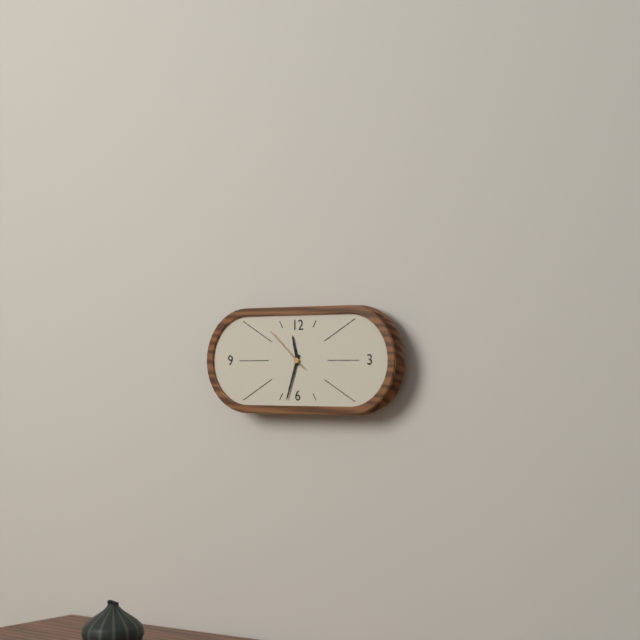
11:33:52
